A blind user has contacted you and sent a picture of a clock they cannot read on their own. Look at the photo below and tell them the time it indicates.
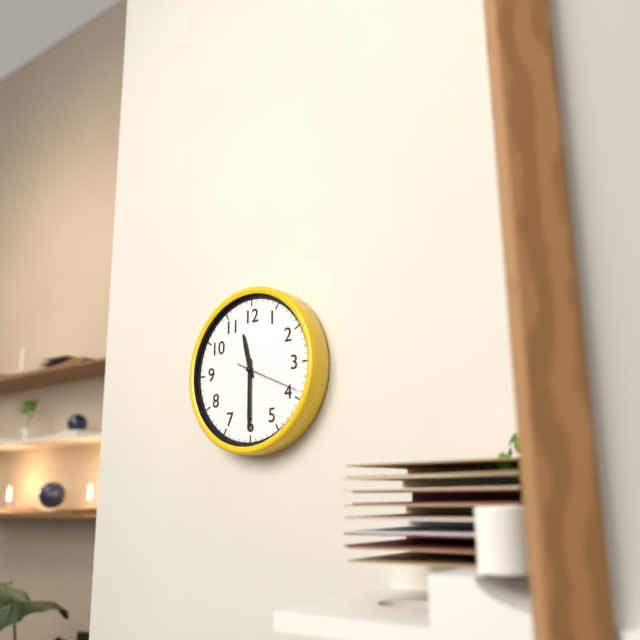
11:30
